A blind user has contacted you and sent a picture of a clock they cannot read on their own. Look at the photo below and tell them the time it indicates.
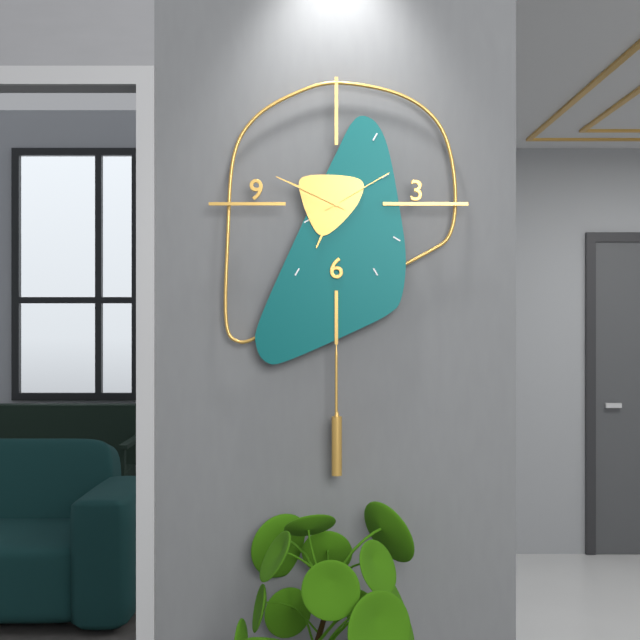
6:49:10
